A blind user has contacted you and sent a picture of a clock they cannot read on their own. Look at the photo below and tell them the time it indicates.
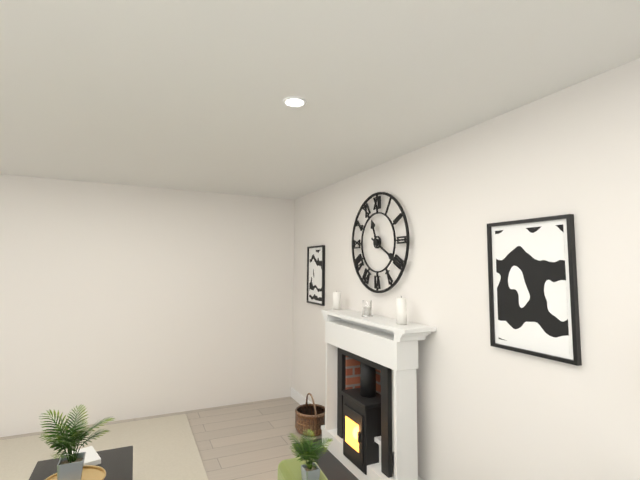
11:20
